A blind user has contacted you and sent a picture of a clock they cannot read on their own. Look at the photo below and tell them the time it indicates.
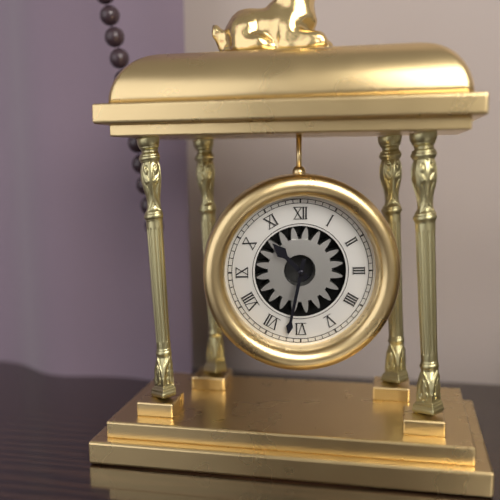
10:32
